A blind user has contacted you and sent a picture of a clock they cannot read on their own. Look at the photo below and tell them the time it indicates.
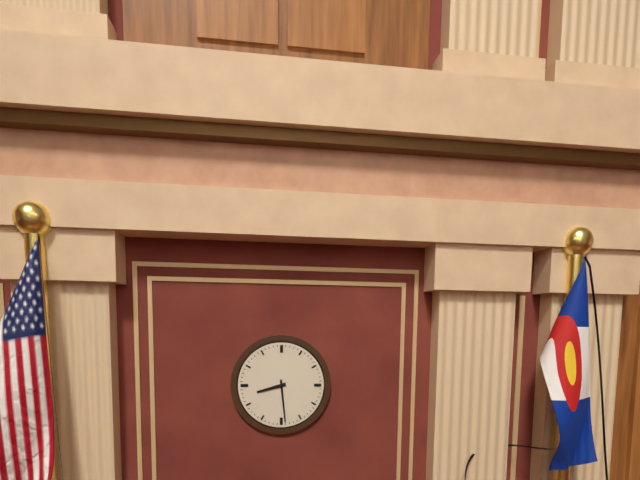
8:29
